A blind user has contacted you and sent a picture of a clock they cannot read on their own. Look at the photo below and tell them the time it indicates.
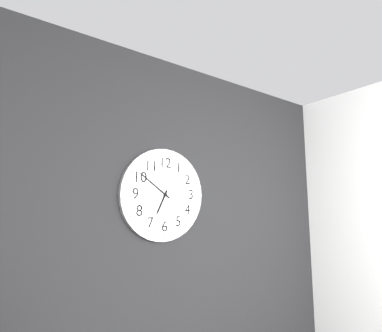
6:51
